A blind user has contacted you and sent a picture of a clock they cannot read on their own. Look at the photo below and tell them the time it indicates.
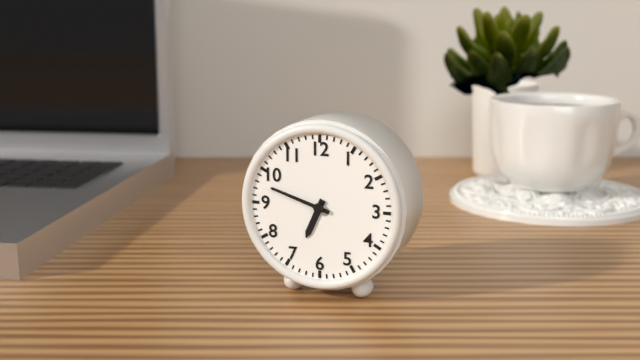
6:48
